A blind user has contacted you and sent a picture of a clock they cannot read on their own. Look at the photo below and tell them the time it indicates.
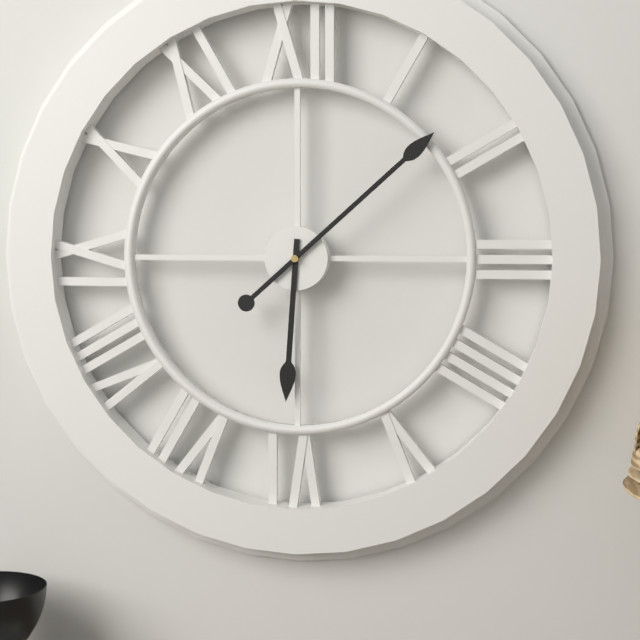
6:08
